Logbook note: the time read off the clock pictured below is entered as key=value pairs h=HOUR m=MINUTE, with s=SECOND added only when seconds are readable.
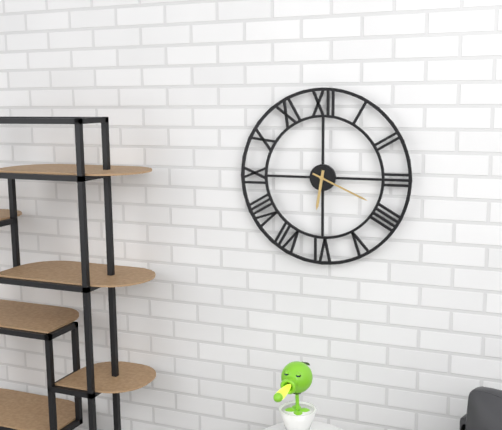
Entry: h=6 m=19
